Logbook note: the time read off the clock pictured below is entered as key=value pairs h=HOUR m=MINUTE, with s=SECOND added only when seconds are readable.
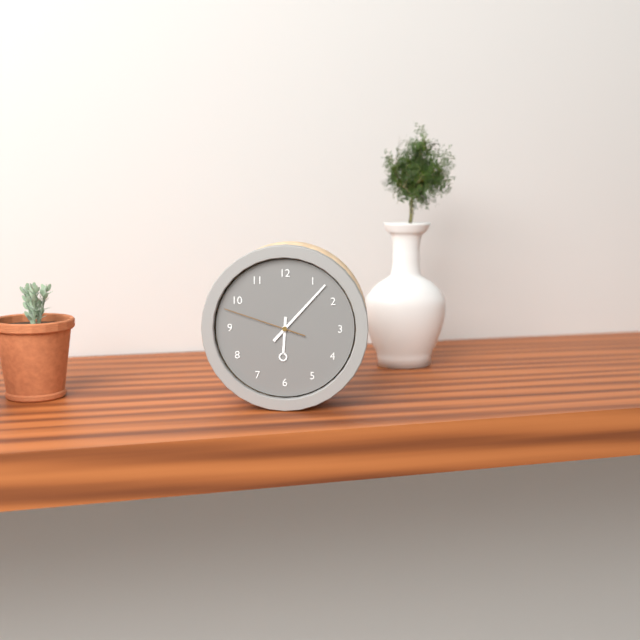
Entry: h=6 m=7 s=48
